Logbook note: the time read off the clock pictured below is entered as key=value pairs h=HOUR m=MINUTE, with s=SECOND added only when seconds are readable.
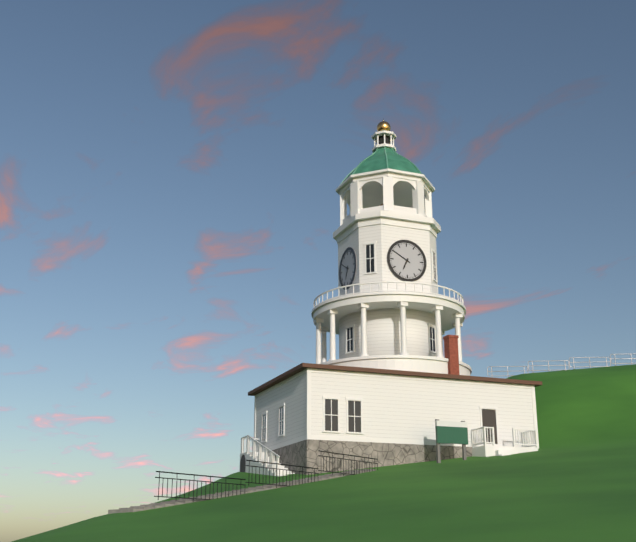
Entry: h=6 m=50
